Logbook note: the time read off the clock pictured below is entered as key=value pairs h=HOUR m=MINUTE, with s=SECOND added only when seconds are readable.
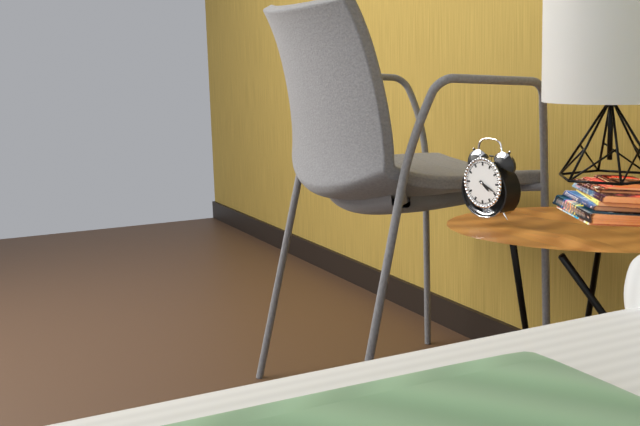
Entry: h=4 m=19
